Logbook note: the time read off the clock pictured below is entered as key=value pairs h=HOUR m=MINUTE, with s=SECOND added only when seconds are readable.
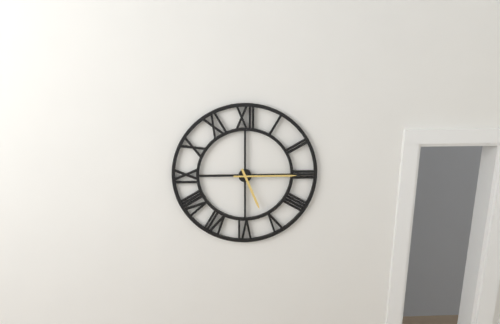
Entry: h=5 m=15
